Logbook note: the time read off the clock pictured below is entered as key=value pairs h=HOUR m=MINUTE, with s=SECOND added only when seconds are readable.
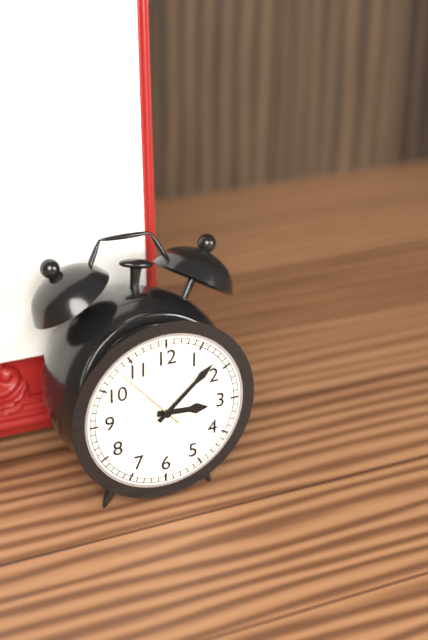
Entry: h=3 m=8 s=53
